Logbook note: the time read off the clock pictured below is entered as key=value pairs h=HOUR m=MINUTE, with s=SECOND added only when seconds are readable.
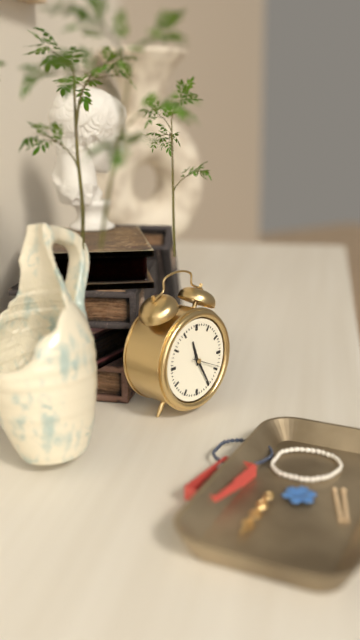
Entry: h=11 m=25
